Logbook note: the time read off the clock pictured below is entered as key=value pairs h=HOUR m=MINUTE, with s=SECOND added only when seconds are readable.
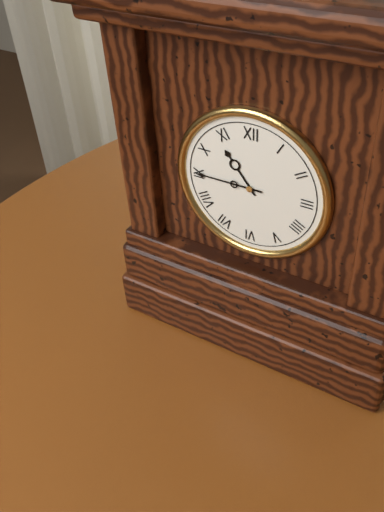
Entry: h=10 m=45
